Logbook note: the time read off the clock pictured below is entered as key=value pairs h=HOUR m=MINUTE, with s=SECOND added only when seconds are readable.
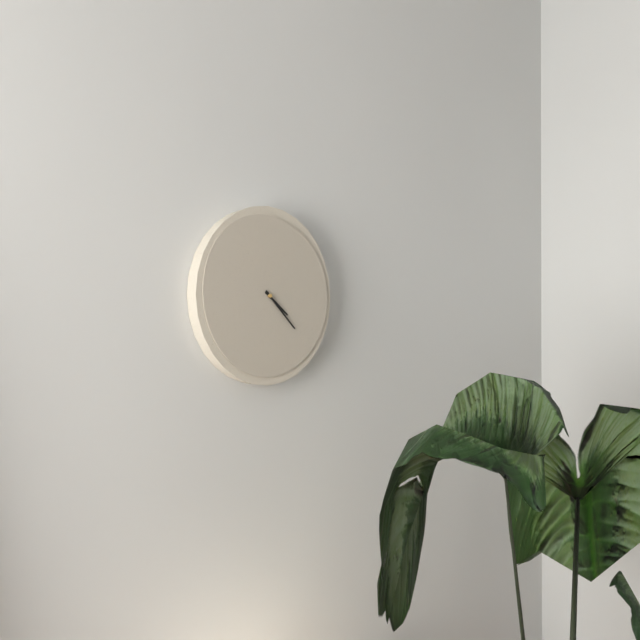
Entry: h=4 m=23
